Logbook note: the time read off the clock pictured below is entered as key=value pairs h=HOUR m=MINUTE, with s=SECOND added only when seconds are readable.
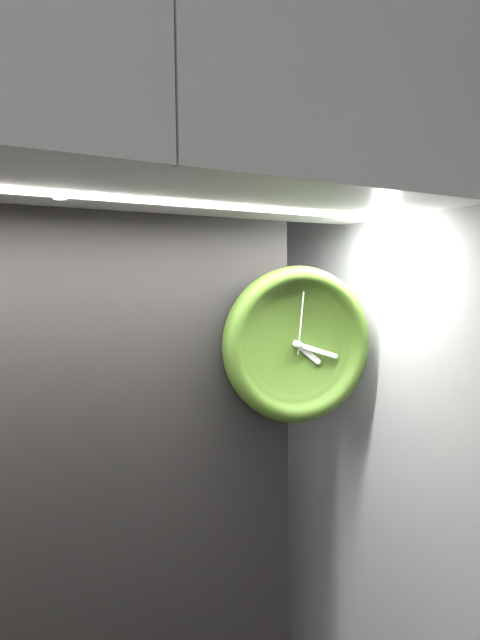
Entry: h=4 m=18 s=1
